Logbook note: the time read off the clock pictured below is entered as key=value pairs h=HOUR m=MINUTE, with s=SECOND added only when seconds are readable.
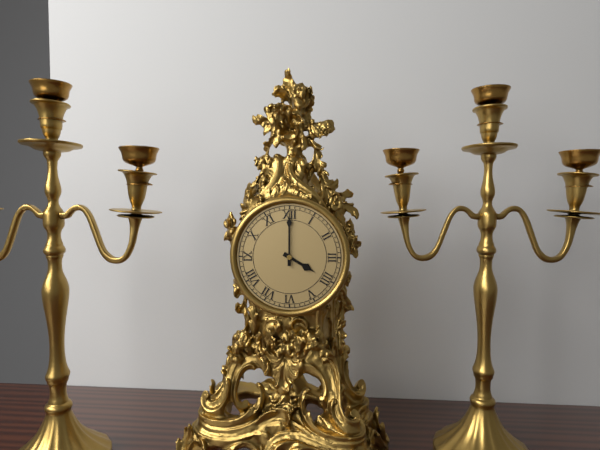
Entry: h=4 m=0
